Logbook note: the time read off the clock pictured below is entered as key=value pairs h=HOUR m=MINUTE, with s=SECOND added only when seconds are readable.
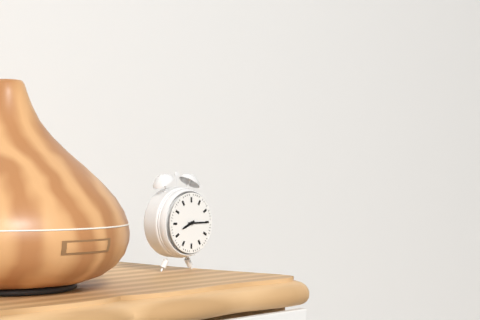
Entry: h=8 m=15
